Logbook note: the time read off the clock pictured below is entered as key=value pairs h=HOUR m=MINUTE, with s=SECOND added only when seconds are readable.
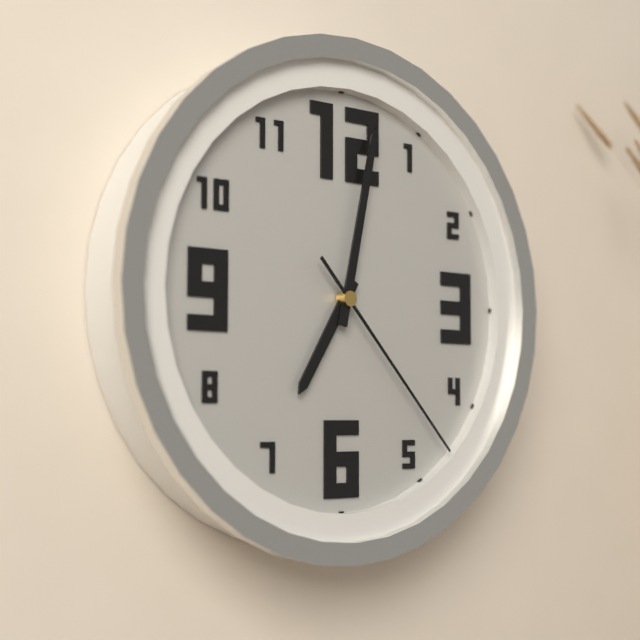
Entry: h=7 m=2 s=23
